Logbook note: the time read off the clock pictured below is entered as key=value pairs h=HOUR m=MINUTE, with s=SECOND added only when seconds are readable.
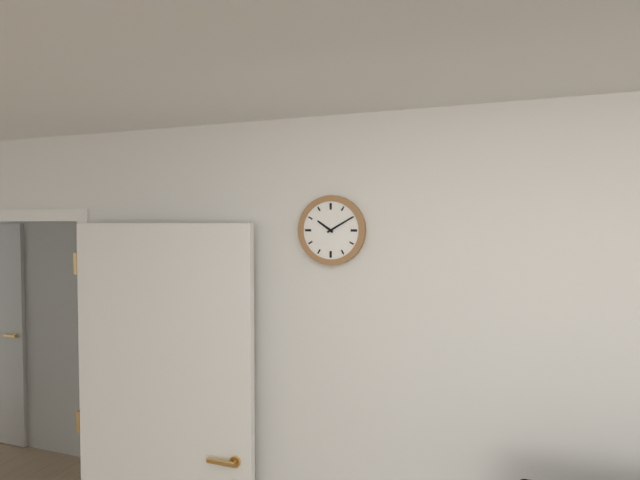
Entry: h=10 m=10
